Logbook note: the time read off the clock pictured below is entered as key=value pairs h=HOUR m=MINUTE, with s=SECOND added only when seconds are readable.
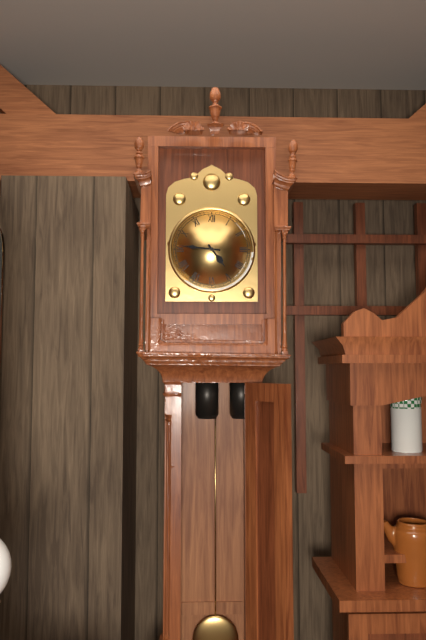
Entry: h=4 m=46
